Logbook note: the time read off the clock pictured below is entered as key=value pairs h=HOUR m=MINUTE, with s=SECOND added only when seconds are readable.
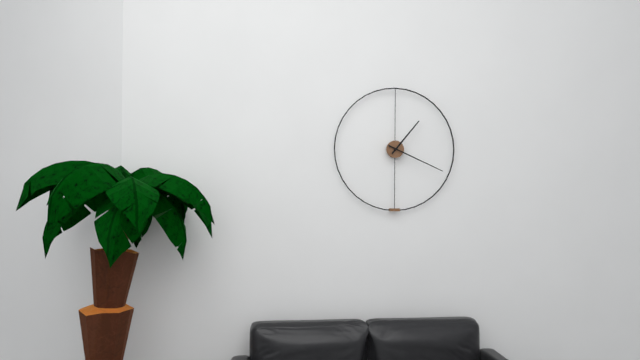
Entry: h=1 m=19
